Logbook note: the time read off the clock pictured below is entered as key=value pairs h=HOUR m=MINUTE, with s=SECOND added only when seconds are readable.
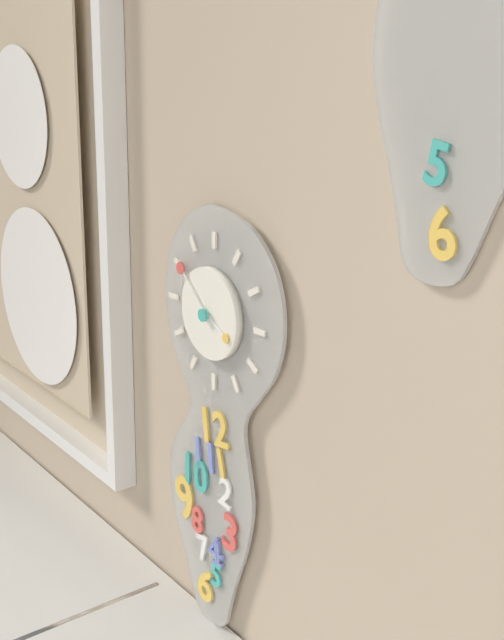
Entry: h=3 m=52
